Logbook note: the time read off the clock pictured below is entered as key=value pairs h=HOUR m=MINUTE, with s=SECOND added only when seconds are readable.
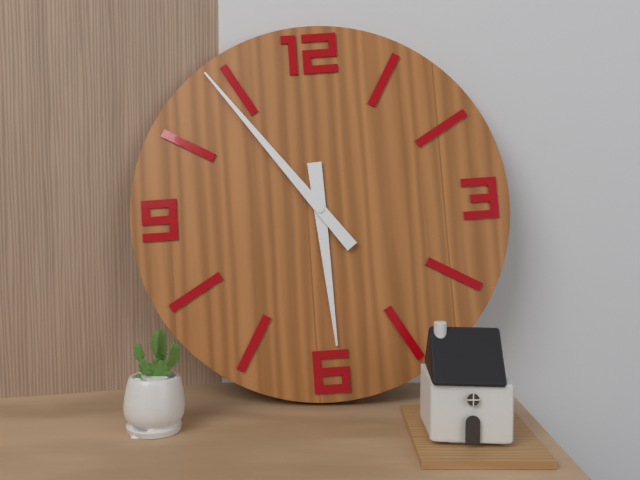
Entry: h=5 m=54
